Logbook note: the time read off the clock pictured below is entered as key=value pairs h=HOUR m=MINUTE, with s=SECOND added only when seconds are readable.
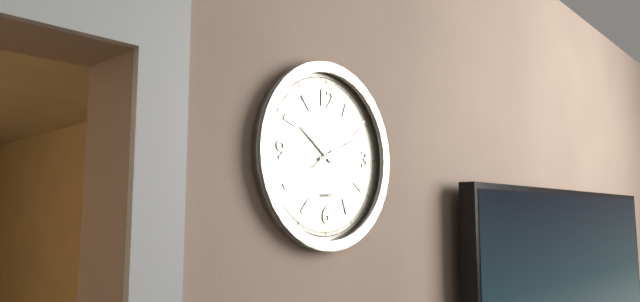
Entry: h=10 m=11 s=9
